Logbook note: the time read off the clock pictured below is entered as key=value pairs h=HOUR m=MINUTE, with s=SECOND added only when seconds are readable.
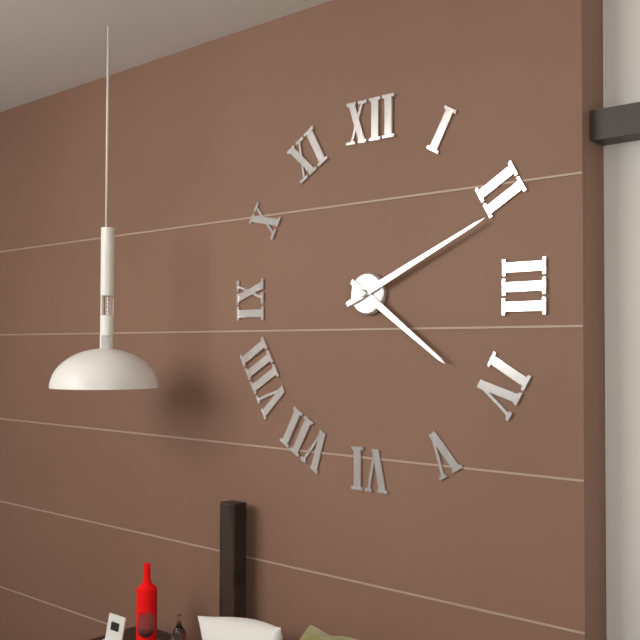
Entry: h=4 m=11
